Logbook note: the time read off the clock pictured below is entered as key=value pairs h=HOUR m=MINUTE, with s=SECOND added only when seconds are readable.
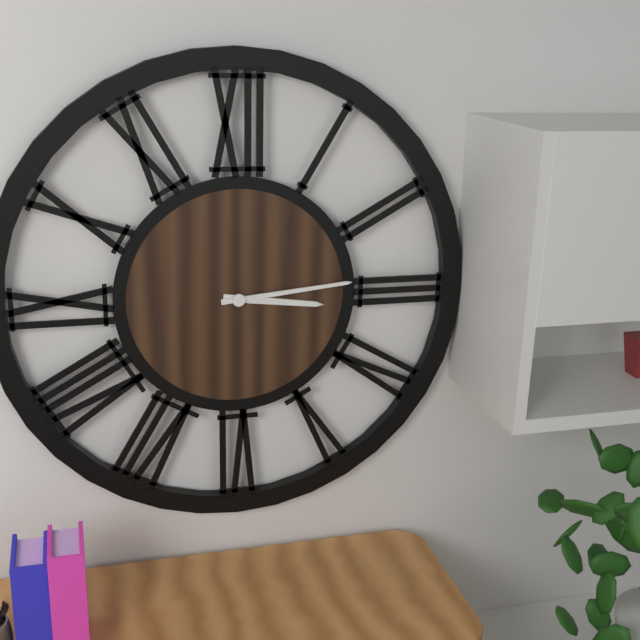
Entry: h=3 m=14
